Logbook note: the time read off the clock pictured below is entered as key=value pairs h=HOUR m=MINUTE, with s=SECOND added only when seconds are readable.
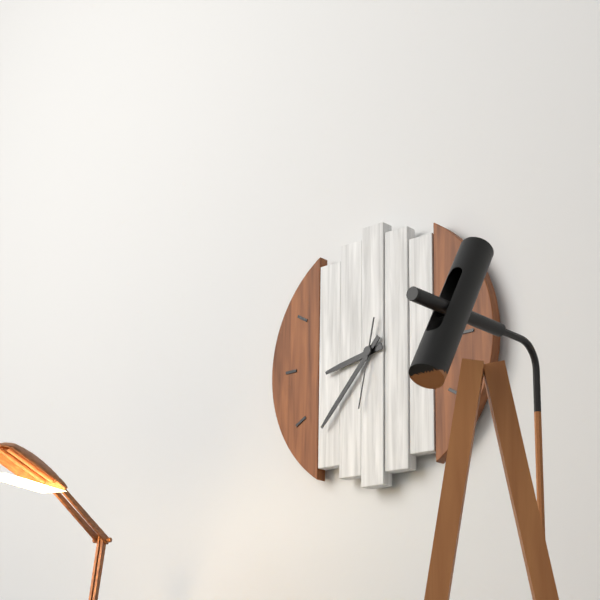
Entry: h=8 m=37 s=32
